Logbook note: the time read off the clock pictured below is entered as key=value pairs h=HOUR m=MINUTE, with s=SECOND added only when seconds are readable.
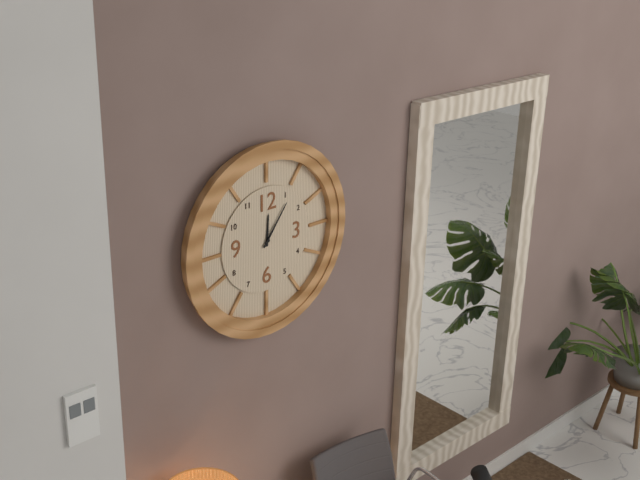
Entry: h=12 m=6
